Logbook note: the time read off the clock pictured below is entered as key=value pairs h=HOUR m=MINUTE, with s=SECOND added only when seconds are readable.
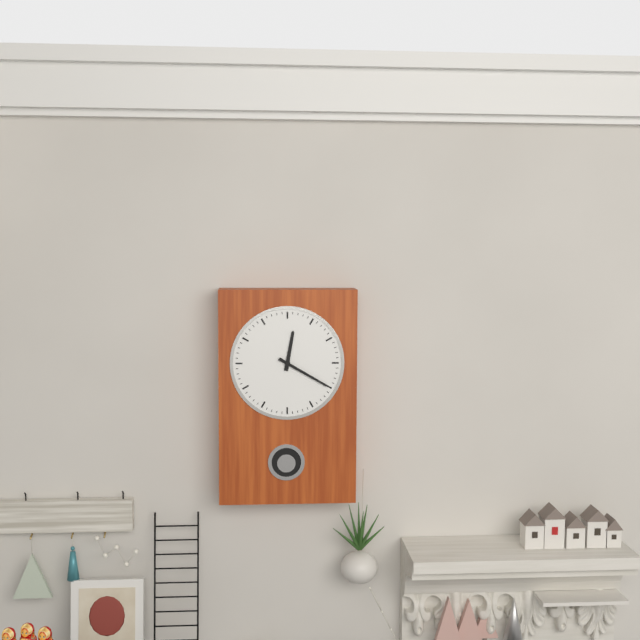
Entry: h=12 m=20
